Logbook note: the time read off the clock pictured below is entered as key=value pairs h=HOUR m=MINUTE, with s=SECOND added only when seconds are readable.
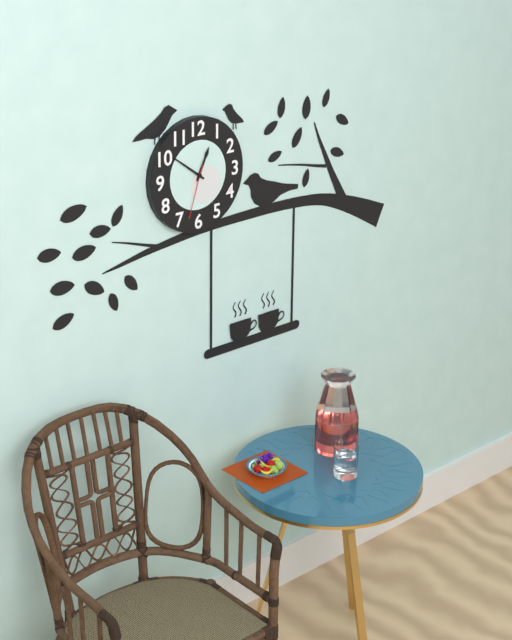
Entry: h=12 m=51 s=33
